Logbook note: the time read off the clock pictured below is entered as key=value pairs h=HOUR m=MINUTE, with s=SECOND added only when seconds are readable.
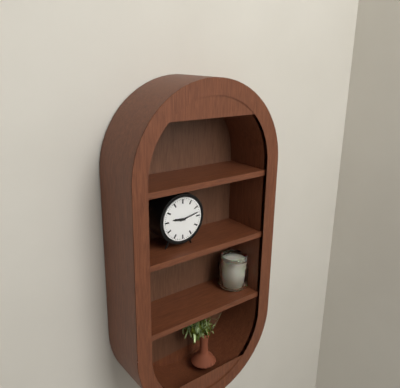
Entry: h=9 m=13
